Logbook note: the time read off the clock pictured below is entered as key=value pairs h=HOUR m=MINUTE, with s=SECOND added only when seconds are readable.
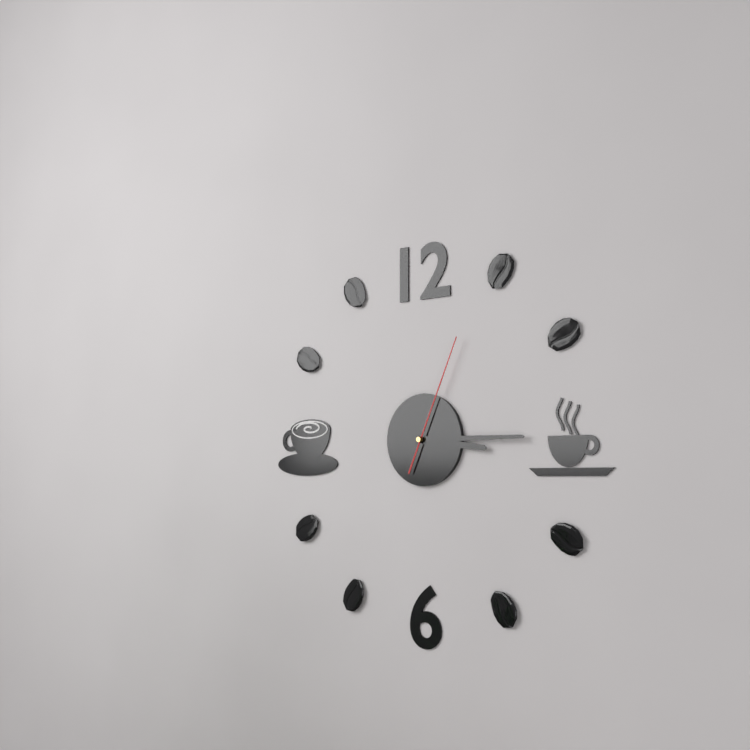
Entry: h=3 m=15 s=4
